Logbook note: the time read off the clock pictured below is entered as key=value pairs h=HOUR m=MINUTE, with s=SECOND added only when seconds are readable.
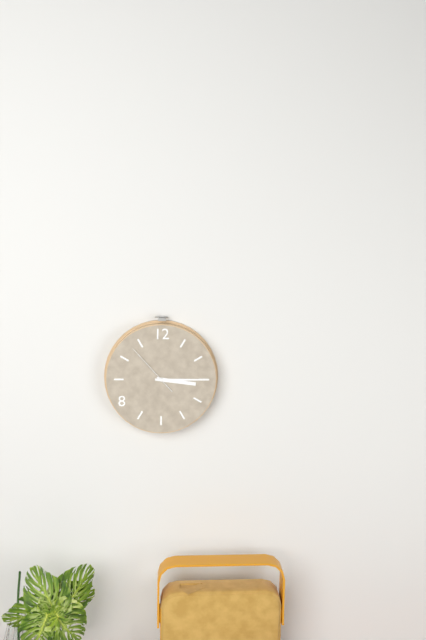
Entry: h=3 m=15 s=53
